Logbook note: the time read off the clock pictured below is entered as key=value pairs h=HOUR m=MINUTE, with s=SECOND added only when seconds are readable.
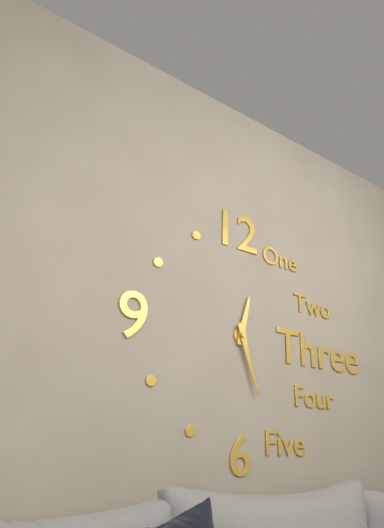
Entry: h=12 m=27
